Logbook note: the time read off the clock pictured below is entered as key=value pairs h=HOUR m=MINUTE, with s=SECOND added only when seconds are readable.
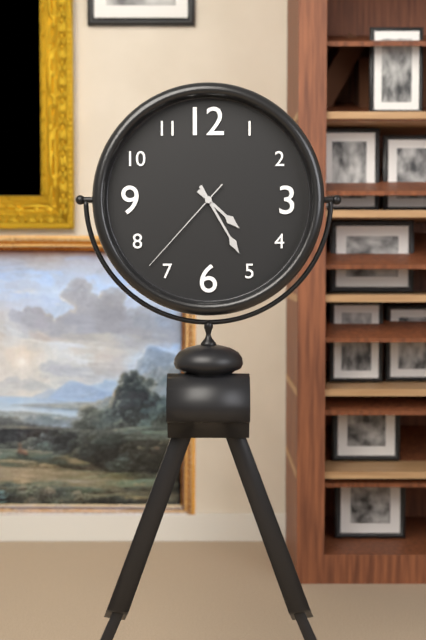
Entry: h=4 m=25 s=37
